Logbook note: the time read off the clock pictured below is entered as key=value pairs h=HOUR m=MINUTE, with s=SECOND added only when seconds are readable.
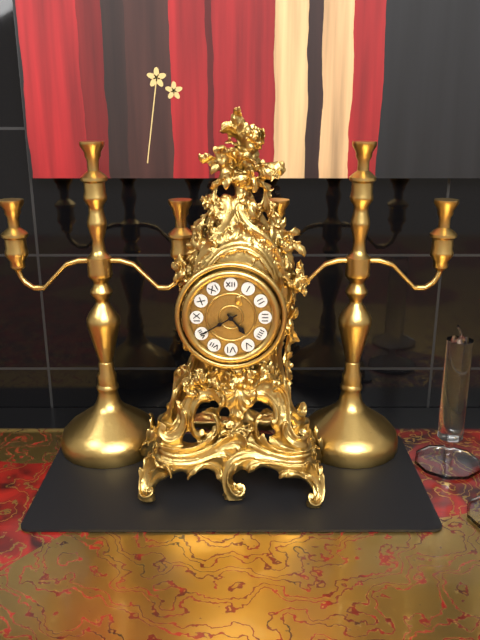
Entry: h=4 m=40
